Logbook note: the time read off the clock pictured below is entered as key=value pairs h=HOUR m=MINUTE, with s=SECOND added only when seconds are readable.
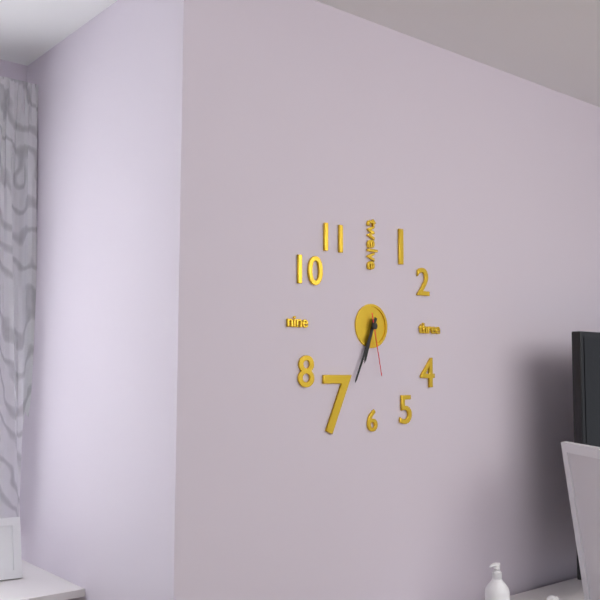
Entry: h=6 m=34 s=28
